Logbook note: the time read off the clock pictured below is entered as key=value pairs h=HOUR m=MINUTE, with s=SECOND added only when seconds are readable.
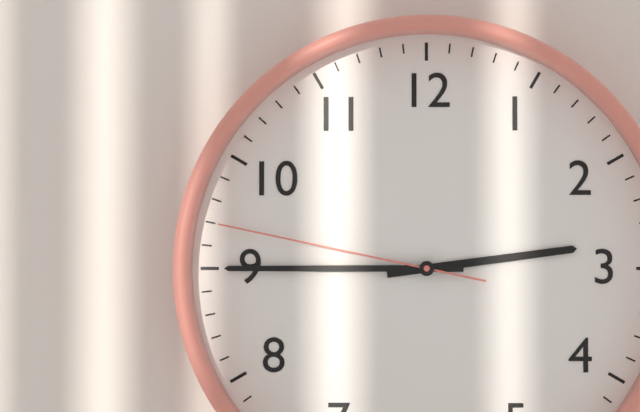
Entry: h=2 m=45 s=47
